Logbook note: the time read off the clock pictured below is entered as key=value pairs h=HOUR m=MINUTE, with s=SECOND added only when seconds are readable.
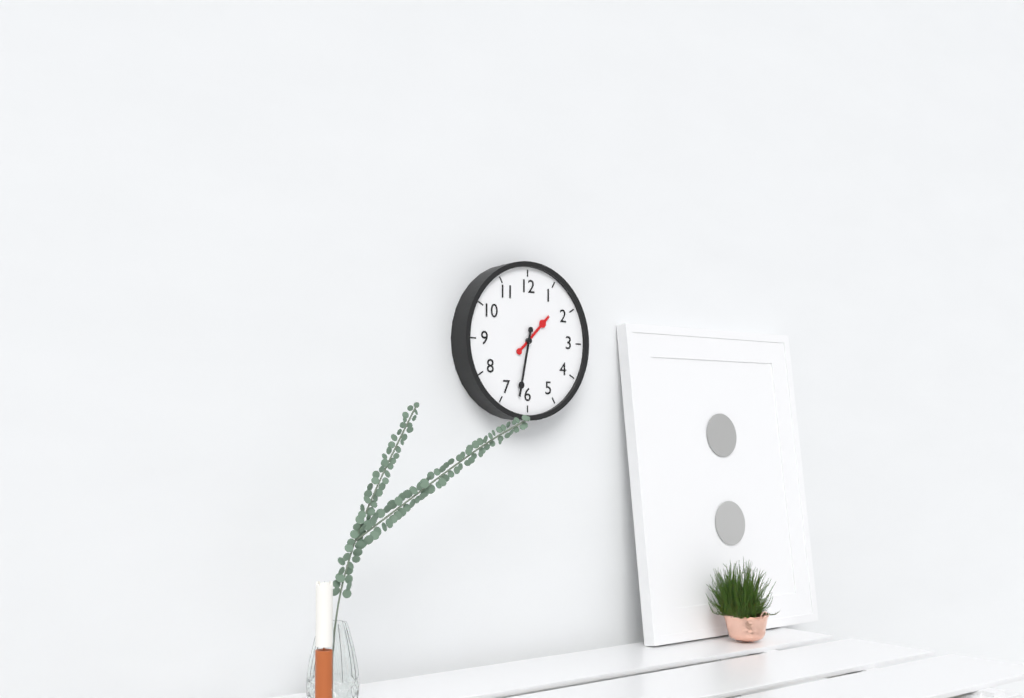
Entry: h=1 m=32
